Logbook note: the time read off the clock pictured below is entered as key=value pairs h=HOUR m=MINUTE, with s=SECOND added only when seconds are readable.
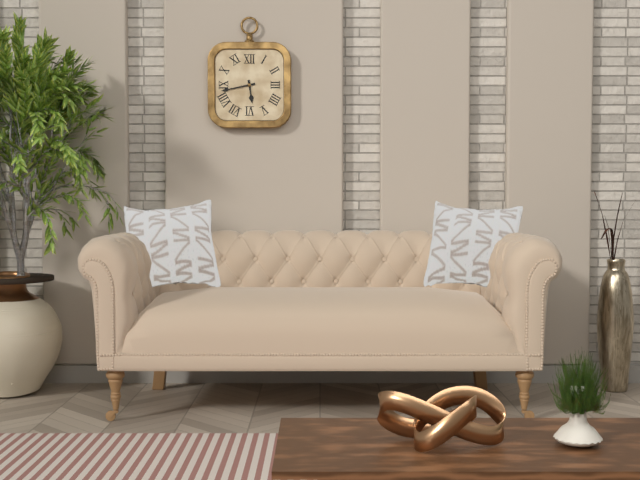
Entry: h=5 m=43
